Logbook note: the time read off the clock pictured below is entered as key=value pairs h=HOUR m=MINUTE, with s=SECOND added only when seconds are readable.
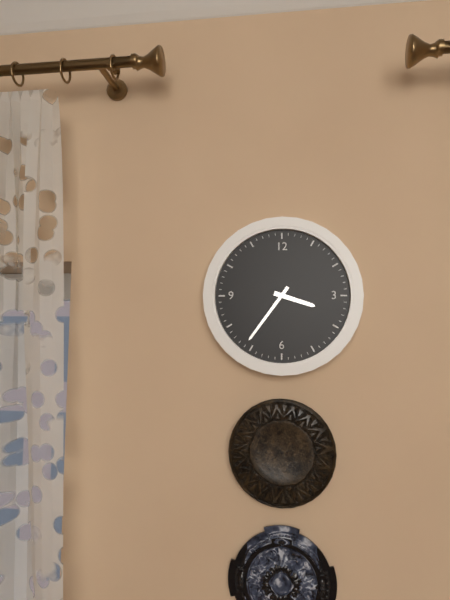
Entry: h=3 m=36
